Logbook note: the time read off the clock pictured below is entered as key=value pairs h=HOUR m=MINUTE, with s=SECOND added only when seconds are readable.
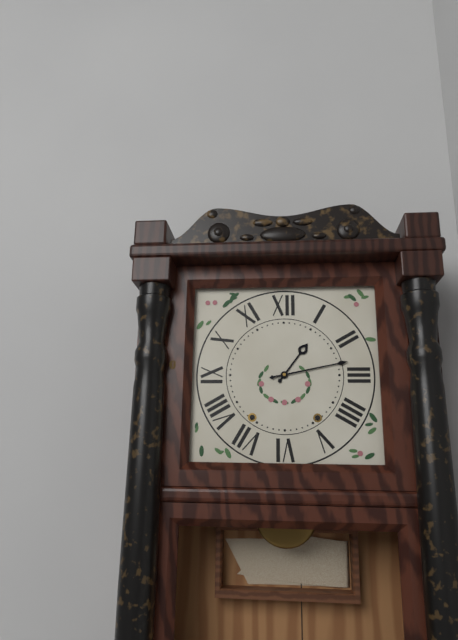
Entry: h=1 m=13
